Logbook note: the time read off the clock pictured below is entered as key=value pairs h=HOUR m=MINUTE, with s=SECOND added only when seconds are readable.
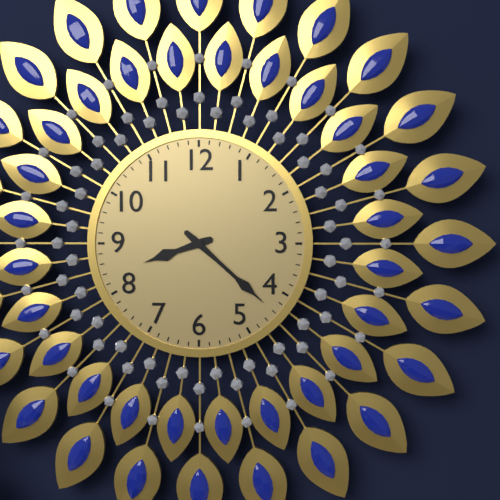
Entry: h=8 m=22
